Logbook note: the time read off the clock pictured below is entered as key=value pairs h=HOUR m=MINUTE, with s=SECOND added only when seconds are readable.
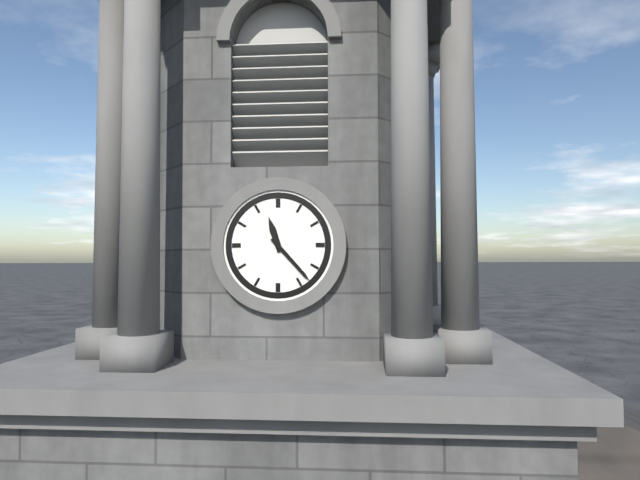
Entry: h=11 m=23
